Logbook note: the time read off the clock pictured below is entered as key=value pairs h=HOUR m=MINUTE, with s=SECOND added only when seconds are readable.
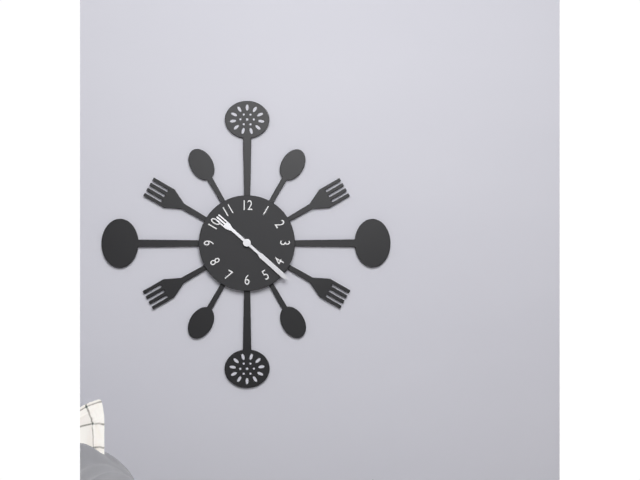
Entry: h=10 m=22
